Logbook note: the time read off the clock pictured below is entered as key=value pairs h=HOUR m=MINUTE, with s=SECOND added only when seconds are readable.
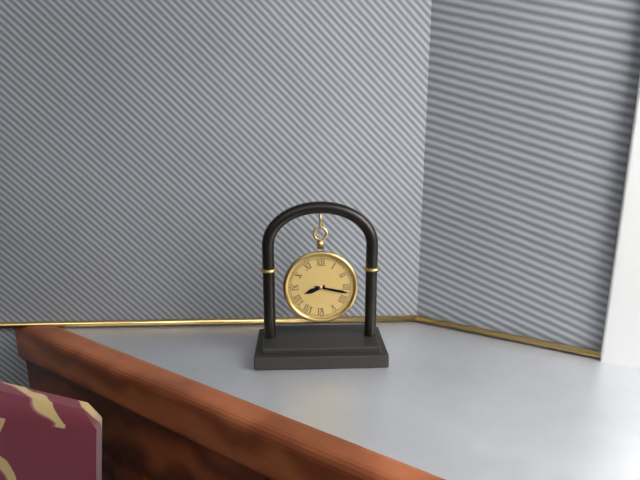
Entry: h=8 m=17
